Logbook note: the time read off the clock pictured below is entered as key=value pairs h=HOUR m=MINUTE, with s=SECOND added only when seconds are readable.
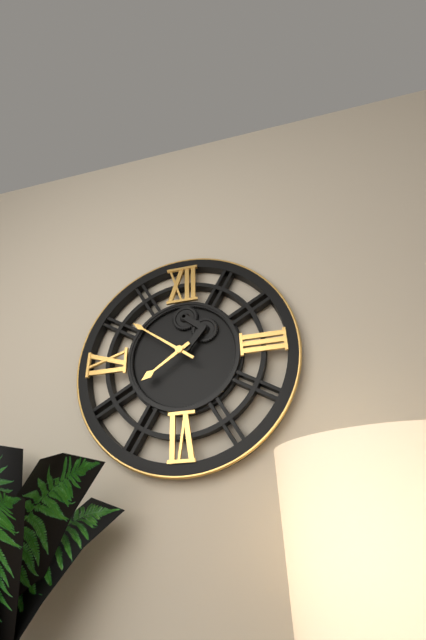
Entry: h=7 m=51
